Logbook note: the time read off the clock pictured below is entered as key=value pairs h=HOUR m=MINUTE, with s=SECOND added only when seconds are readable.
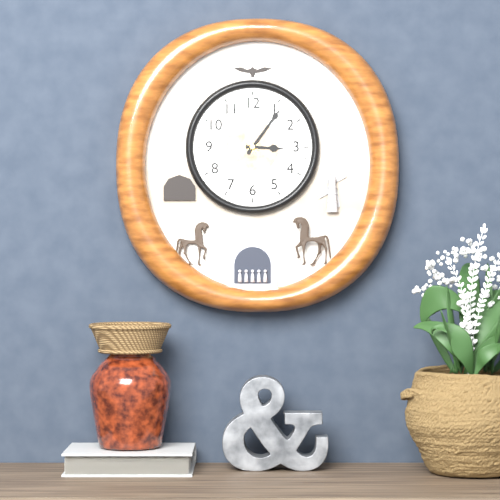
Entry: h=3 m=6
